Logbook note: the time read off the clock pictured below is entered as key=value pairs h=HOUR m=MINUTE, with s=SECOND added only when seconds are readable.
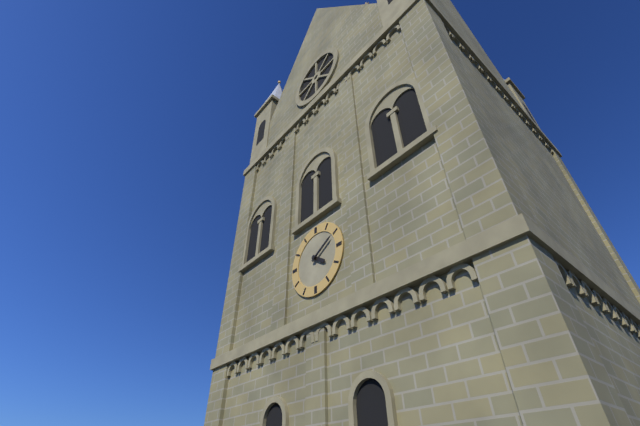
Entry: h=4 m=10
